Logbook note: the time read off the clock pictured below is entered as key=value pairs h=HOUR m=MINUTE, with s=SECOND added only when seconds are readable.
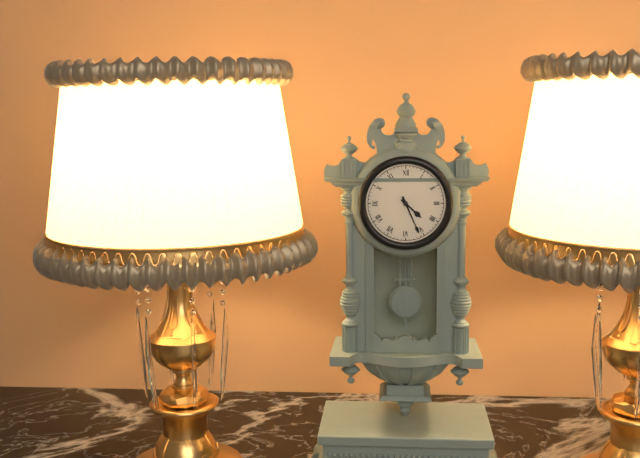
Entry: h=4 m=26
